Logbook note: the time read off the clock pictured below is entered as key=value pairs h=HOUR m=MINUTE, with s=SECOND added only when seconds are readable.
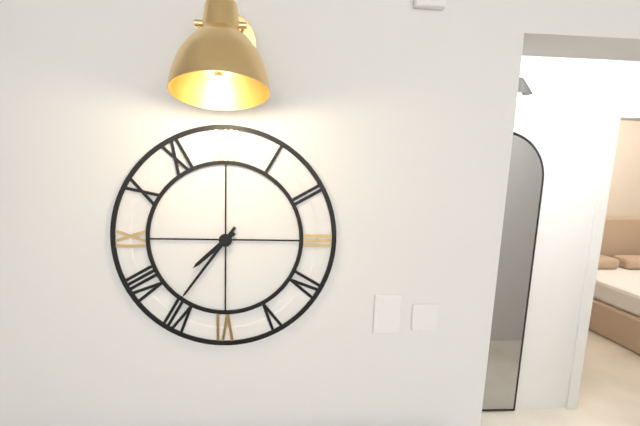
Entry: h=7 m=36
